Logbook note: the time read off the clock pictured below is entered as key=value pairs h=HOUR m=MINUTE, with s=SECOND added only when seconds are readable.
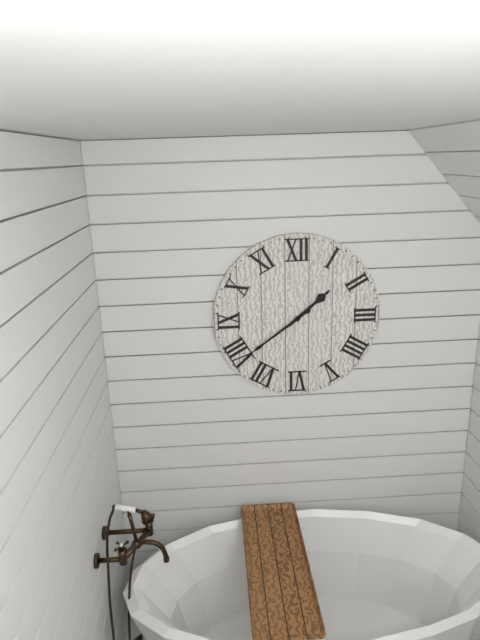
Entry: h=1 m=39
